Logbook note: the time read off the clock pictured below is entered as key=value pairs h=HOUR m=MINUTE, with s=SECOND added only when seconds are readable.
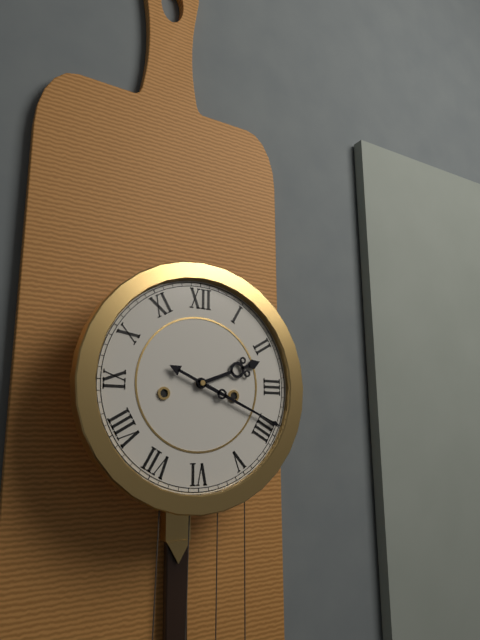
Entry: h=2 m=19
